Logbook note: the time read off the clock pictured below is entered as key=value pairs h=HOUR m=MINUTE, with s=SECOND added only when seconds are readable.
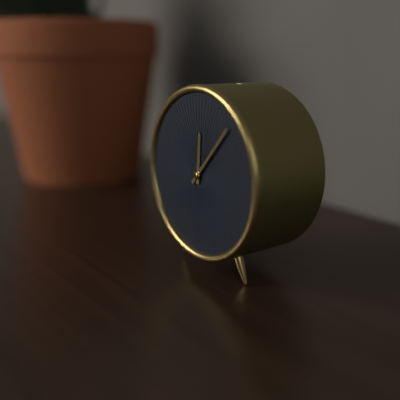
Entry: h=12 m=7
